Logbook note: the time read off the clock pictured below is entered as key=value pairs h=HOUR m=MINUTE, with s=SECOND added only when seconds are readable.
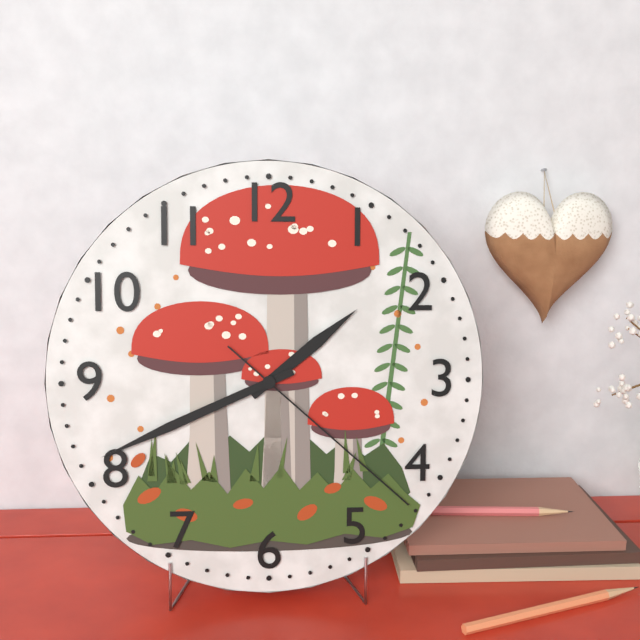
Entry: h=1 m=41 s=22
